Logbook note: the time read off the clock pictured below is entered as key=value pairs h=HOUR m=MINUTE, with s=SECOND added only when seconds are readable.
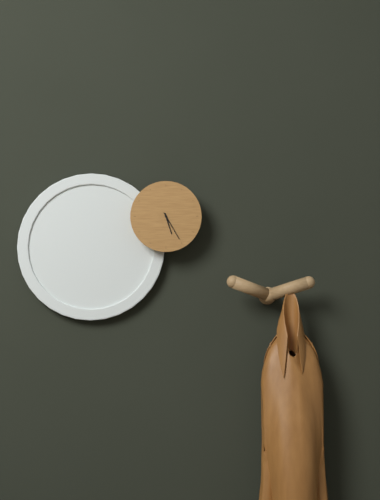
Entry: h=5 m=25
